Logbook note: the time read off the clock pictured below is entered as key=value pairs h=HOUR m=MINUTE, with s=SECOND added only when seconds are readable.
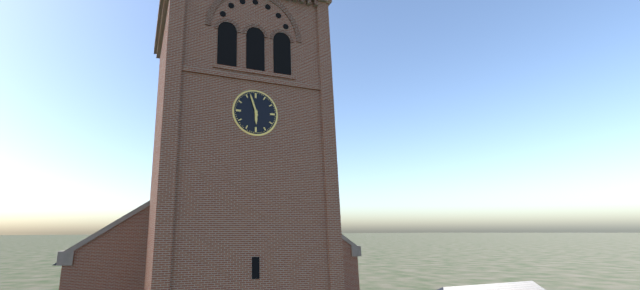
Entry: h=5 m=57
